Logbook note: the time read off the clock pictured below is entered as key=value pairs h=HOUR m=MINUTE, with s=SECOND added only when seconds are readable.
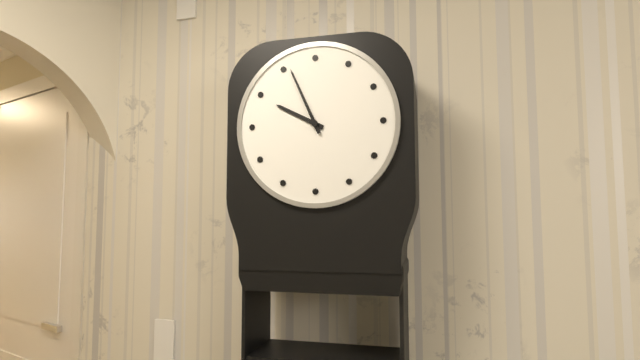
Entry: h=9 m=56
